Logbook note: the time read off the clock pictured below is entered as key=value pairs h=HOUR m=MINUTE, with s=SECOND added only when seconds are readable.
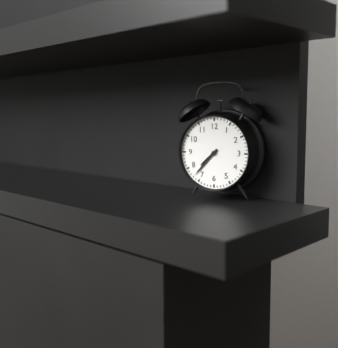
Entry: h=7 m=37
